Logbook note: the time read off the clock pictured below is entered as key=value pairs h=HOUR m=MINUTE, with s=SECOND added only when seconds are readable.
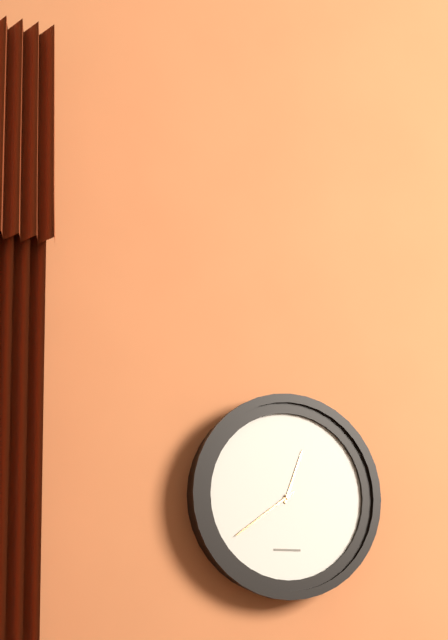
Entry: h=12 m=39
